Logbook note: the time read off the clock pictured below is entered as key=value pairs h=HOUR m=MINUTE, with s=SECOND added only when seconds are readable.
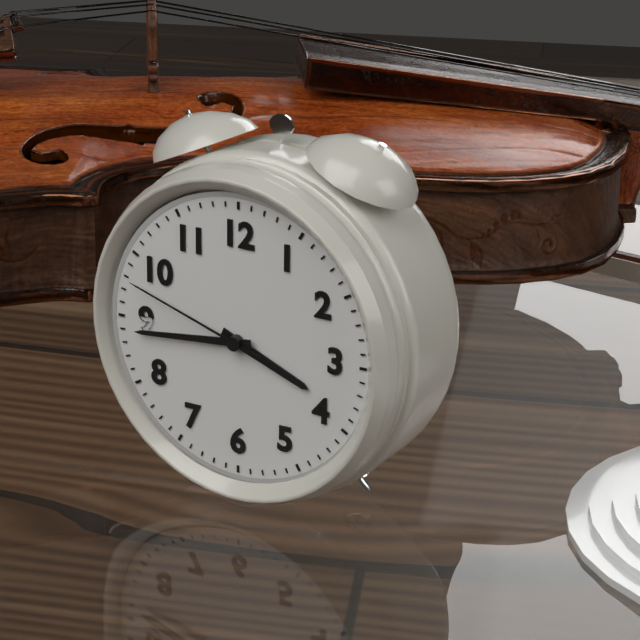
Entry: h=3 m=44 s=48
